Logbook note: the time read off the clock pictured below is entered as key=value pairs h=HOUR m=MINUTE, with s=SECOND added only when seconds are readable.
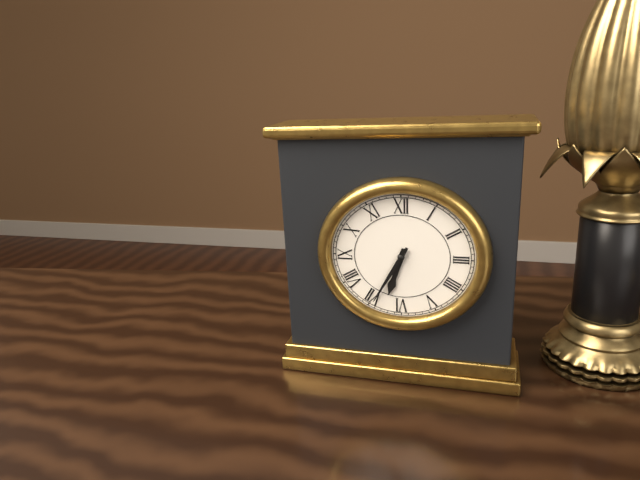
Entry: h=6 m=35
